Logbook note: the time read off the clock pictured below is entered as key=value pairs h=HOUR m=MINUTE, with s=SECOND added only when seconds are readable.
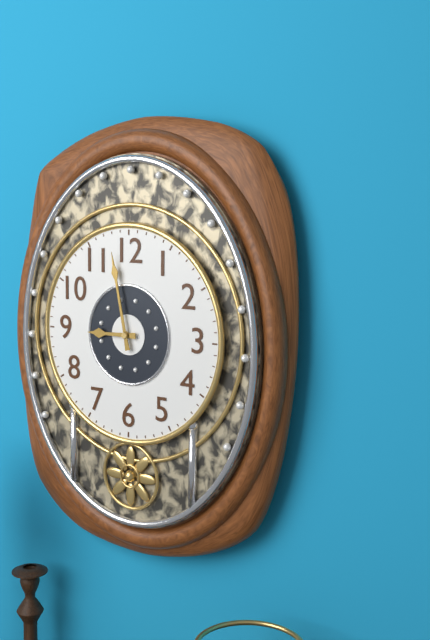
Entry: h=8 m=58
